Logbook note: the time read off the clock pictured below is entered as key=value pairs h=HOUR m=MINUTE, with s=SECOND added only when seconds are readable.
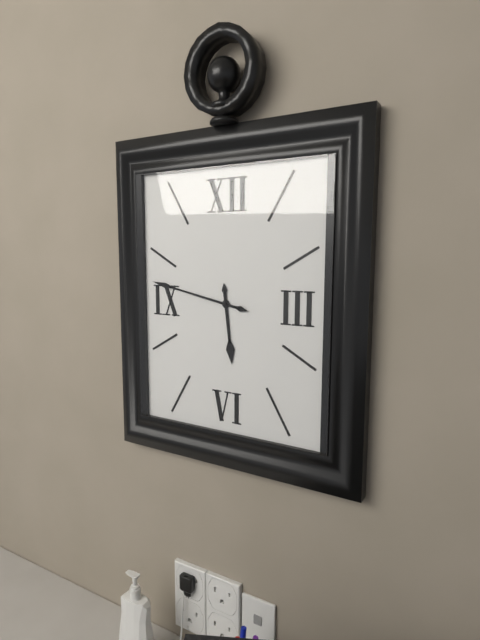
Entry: h=5 m=47
